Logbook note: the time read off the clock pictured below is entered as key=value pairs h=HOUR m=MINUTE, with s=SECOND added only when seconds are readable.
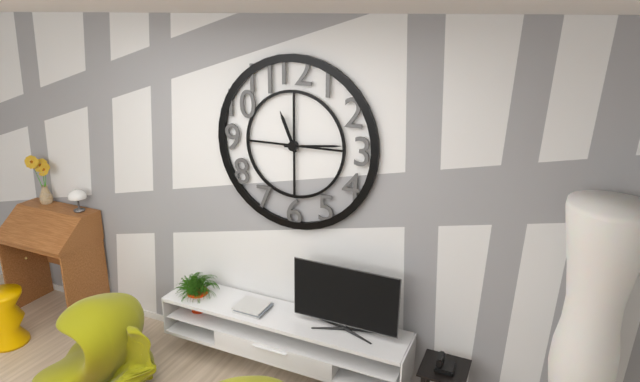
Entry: h=11 m=14
